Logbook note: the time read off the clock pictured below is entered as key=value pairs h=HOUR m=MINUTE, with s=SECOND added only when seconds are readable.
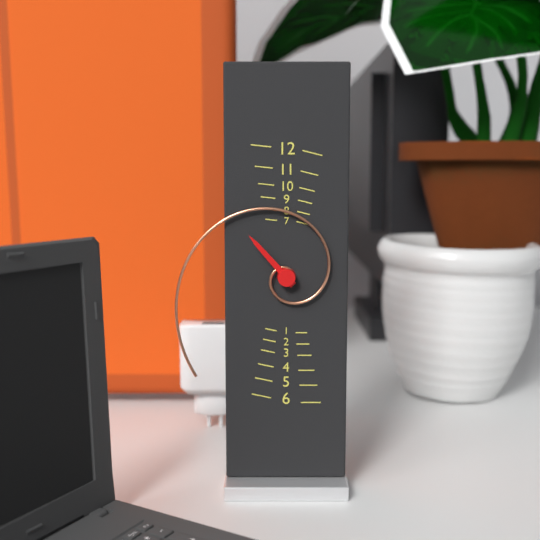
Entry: h=10 m=37
